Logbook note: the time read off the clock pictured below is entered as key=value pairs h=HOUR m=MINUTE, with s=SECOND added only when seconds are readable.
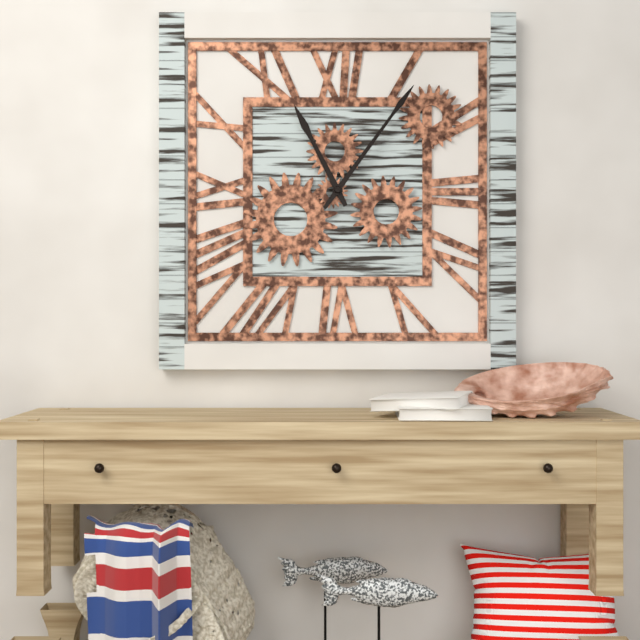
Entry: h=11 m=6
